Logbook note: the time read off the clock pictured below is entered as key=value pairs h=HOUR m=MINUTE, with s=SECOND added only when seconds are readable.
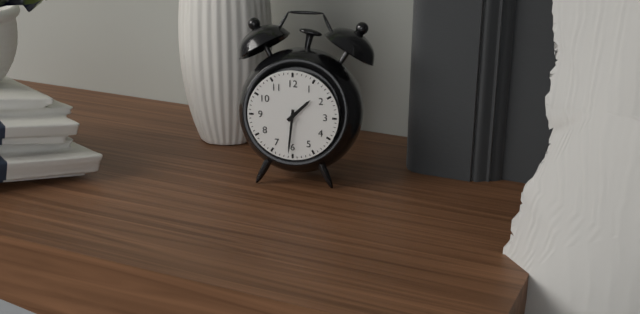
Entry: h=1 m=31
